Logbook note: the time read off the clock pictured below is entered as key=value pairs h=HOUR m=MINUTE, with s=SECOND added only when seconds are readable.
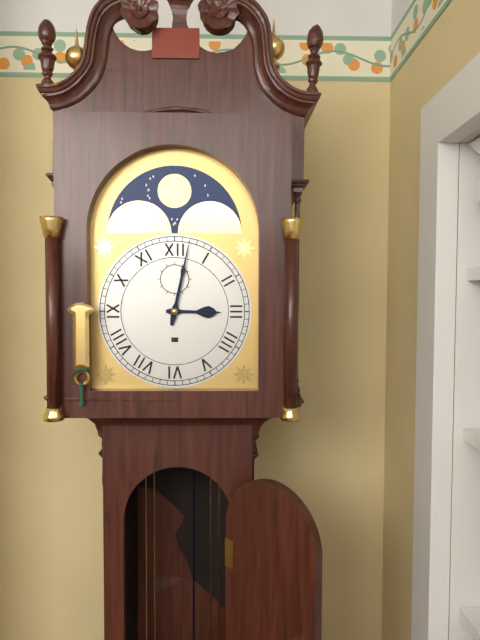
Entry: h=3 m=2
